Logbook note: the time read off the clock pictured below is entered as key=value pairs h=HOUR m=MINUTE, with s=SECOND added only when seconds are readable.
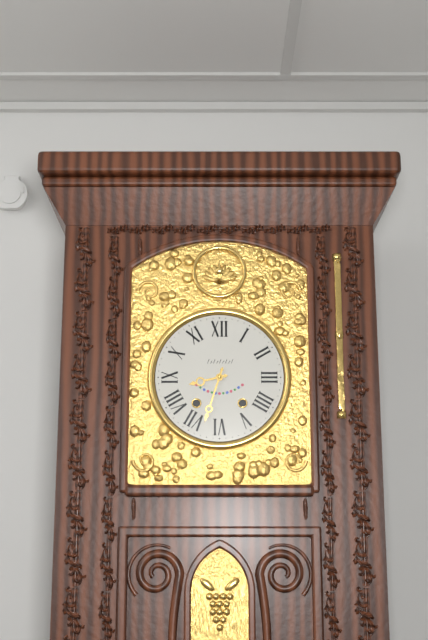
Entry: h=8 m=33
